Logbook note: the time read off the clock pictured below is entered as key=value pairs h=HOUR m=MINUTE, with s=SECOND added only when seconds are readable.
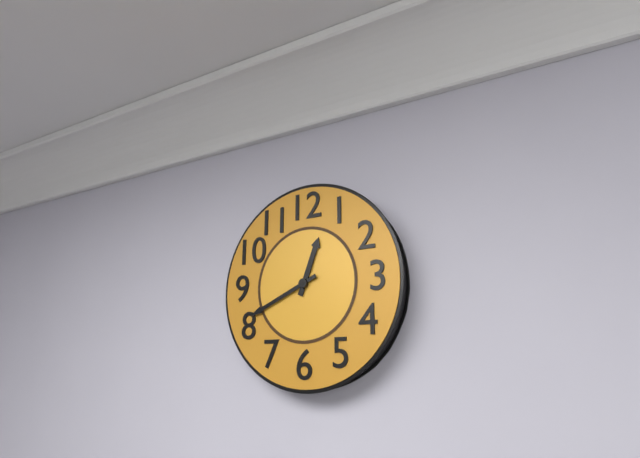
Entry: h=12 m=41
